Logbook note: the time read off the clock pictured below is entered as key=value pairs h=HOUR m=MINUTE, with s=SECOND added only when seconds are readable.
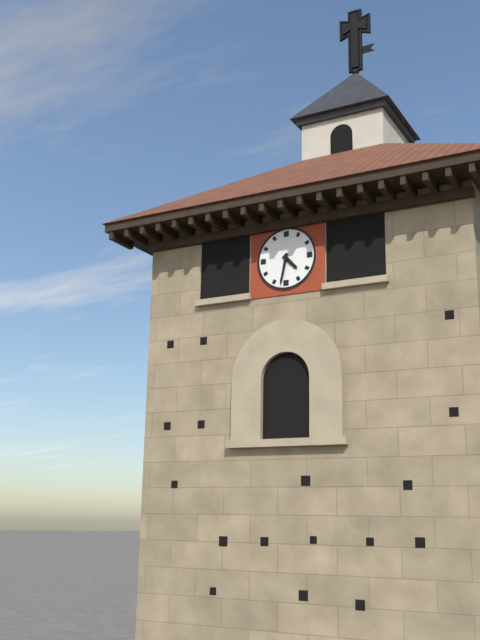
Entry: h=4 m=32
